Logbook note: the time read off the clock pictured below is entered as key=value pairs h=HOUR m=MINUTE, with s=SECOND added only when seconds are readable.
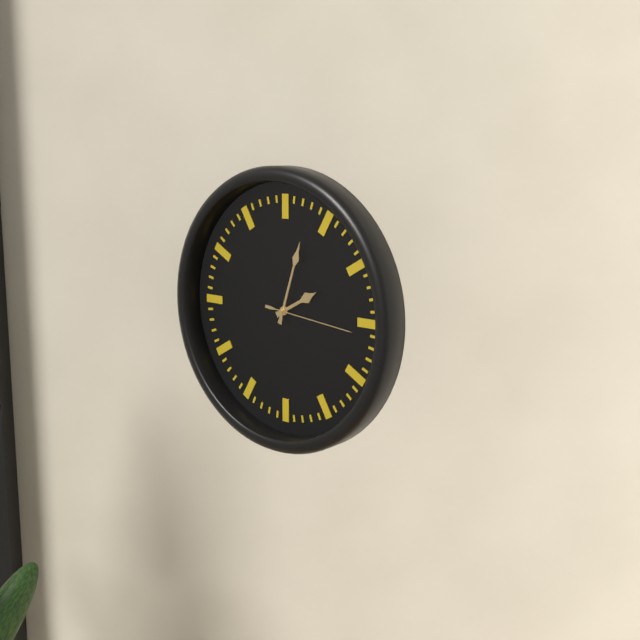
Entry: h=2 m=3 s=16
